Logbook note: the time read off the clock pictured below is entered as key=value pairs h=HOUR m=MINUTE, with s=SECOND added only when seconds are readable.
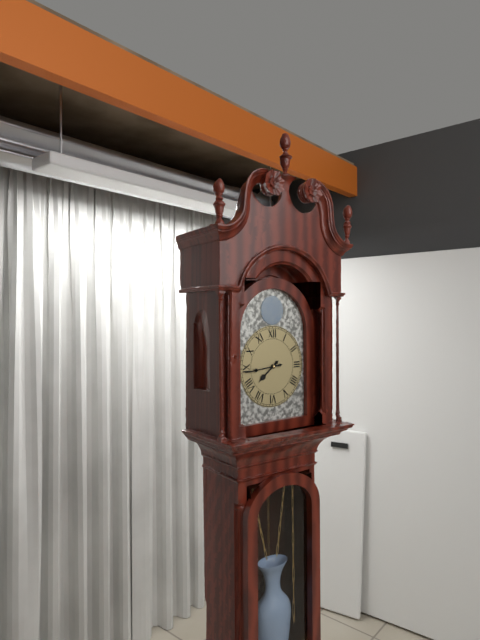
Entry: h=7 m=44
